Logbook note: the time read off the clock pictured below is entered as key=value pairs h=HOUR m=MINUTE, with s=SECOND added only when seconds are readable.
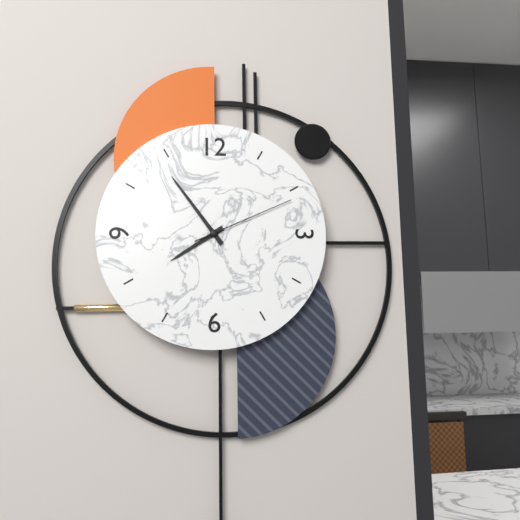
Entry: h=7 m=54 s=11
